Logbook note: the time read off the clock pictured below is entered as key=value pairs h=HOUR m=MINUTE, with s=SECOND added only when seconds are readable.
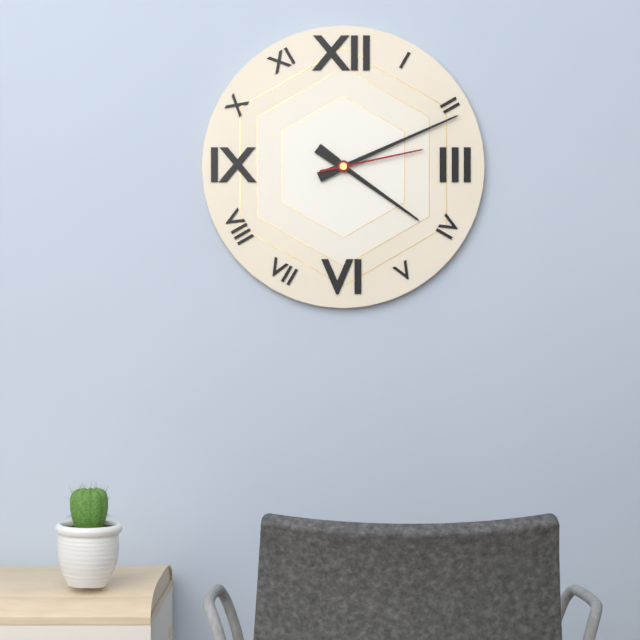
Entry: h=4 m=11 s=13
